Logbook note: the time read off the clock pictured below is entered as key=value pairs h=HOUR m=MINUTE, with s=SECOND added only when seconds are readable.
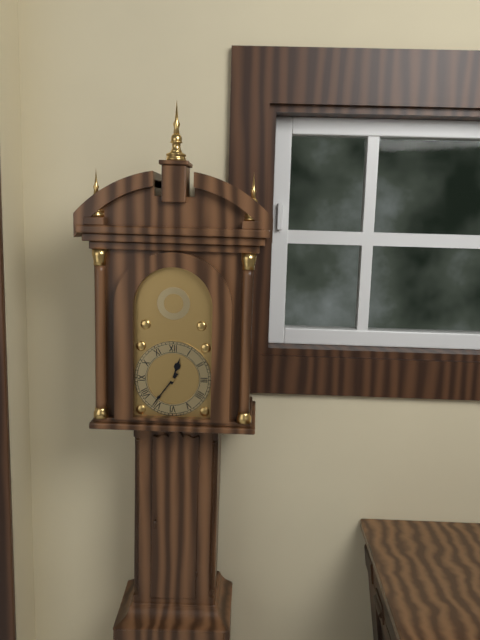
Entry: h=12 m=36
